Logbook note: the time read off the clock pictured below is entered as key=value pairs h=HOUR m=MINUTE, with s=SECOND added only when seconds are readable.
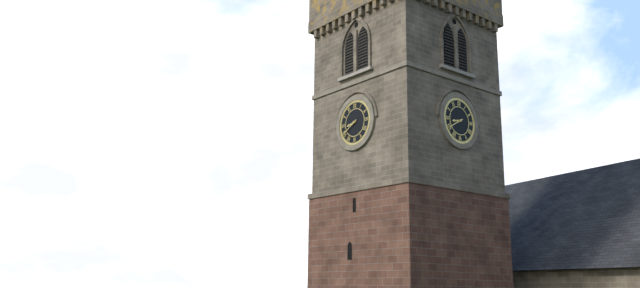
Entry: h=8 m=40
